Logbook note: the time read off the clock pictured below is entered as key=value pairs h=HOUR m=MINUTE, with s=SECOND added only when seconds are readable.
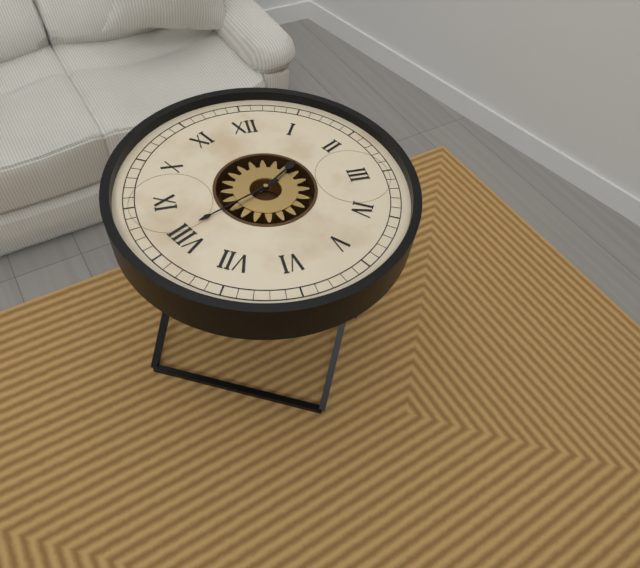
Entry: h=1 m=41
